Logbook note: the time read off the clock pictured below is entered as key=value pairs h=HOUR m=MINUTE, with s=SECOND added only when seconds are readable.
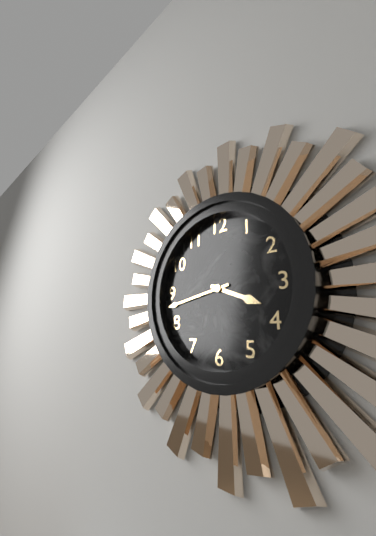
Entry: h=3 m=43
